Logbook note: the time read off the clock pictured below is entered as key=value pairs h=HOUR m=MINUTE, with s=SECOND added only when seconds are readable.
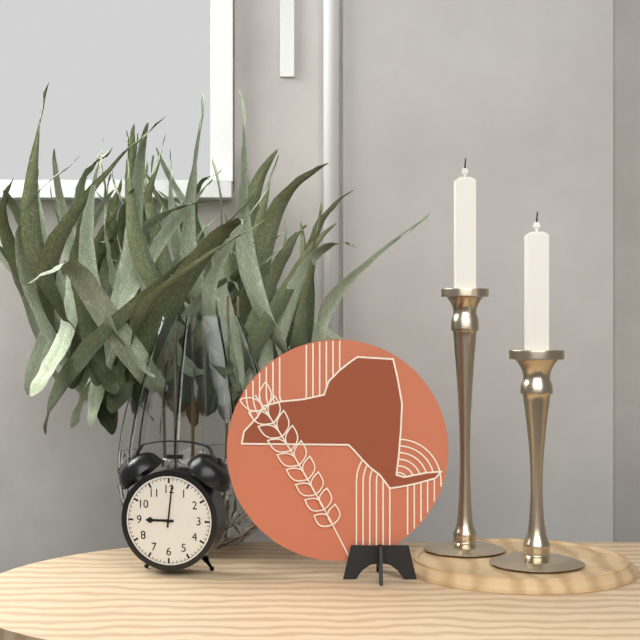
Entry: h=9 m=1
